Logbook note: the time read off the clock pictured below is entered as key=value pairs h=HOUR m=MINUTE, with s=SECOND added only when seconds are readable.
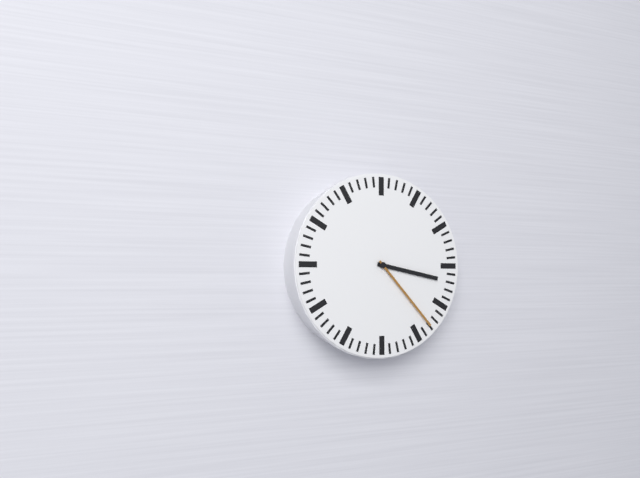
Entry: h=3 m=23
